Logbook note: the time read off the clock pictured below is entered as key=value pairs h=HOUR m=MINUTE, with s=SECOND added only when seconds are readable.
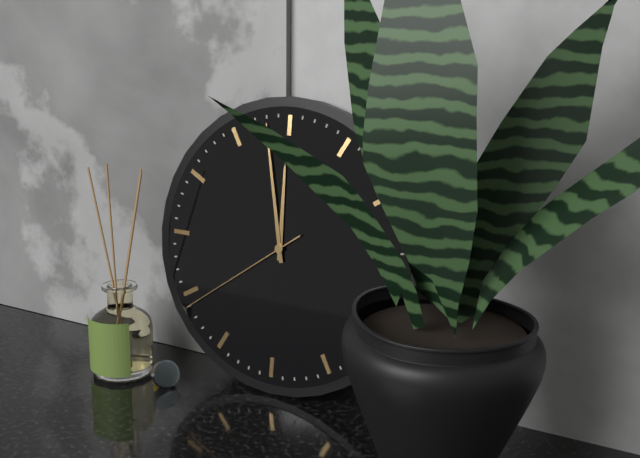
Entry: h=11 m=58 s=39
